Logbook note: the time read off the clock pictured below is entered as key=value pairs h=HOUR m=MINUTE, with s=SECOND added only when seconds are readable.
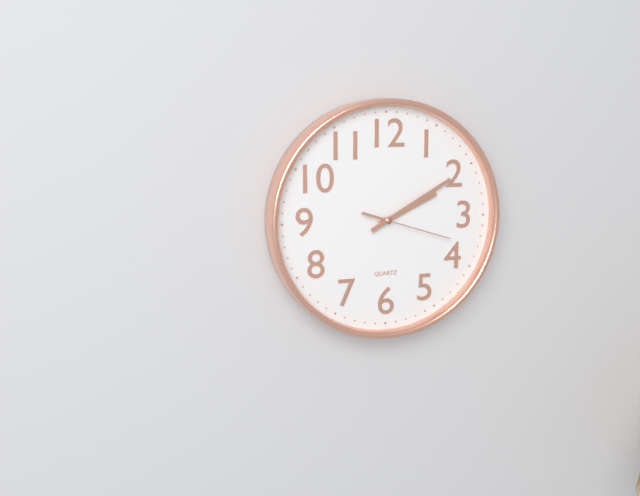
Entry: h=2 m=10 s=18
